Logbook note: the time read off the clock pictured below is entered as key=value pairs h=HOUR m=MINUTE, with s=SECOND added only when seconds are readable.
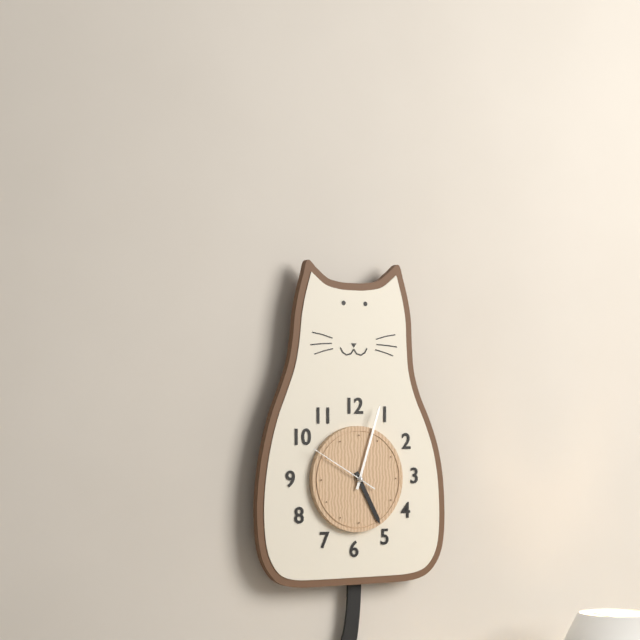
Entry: h=5 m=3 s=50
